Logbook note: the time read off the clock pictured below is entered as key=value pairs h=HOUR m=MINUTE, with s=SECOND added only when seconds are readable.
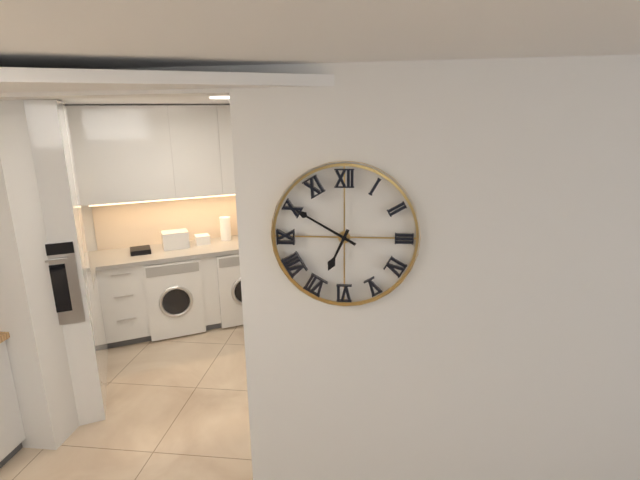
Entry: h=6 m=50
